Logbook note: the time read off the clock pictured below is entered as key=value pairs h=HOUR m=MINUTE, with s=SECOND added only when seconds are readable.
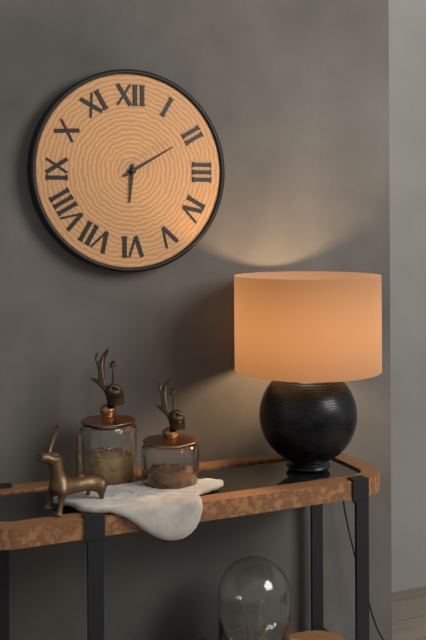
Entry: h=6 m=10
